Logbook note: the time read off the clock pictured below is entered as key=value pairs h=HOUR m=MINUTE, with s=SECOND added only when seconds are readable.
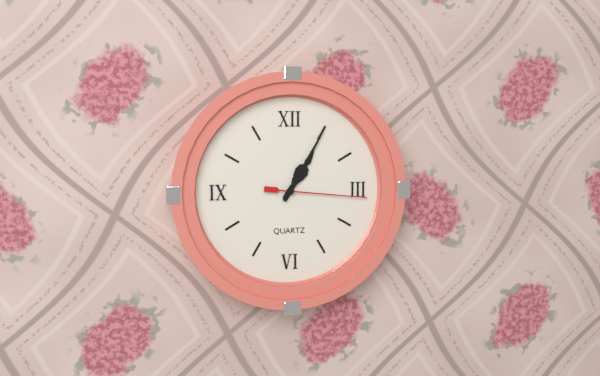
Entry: h=1 m=5 s=16
